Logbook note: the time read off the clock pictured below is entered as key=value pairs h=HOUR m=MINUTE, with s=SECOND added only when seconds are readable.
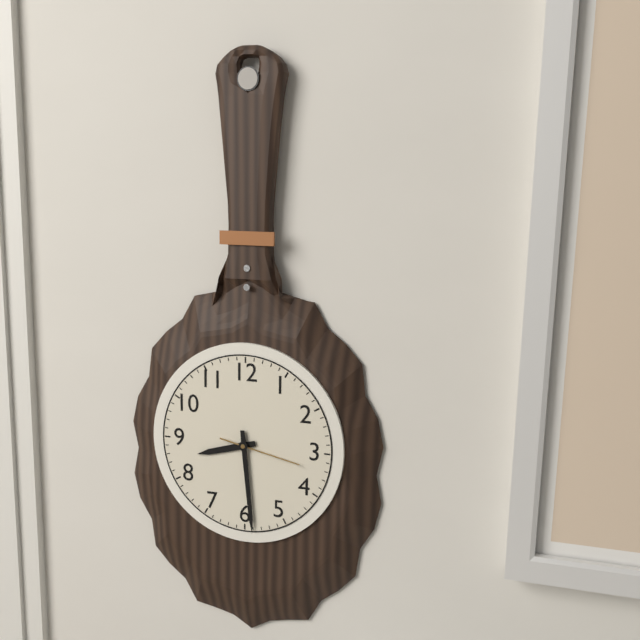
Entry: h=8 m=29 s=17
